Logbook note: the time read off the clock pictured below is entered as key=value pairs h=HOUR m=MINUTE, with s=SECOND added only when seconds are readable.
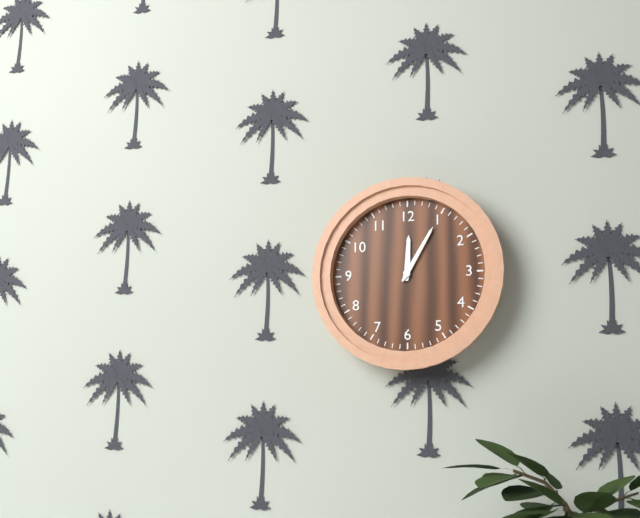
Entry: h=12 m=5
